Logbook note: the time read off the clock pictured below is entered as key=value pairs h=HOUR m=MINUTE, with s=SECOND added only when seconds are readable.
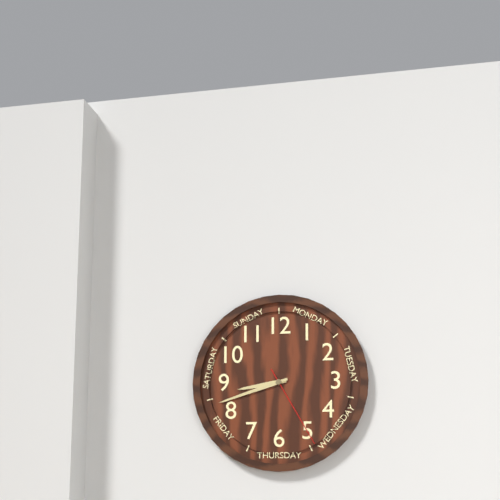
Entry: h=8 m=42 s=25
